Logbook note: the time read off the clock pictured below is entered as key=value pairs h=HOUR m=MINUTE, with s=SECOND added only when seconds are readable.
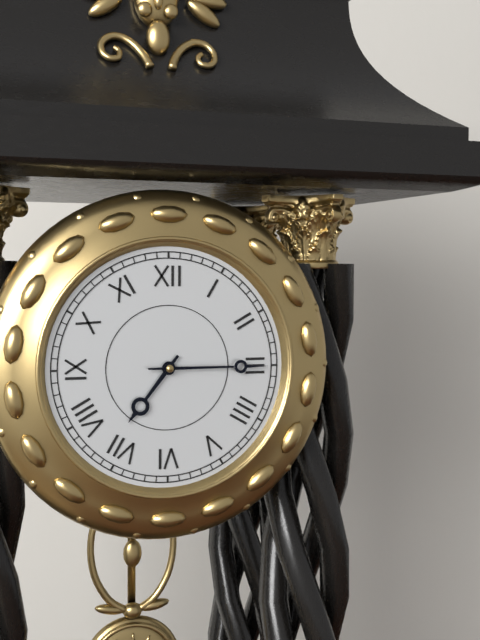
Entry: h=7 m=15
